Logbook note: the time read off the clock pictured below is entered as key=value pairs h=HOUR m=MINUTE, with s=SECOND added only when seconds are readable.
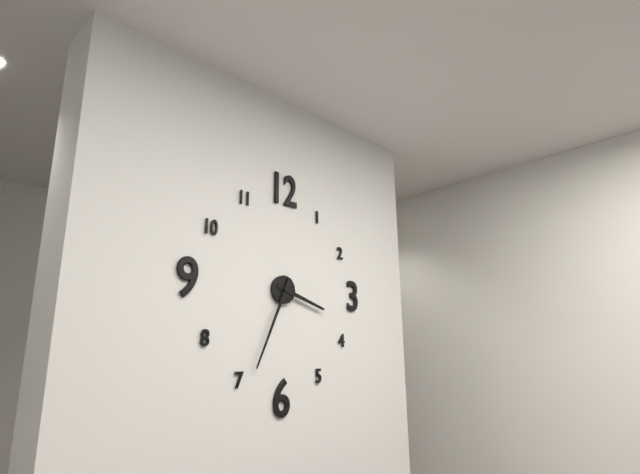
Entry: h=3 m=34
